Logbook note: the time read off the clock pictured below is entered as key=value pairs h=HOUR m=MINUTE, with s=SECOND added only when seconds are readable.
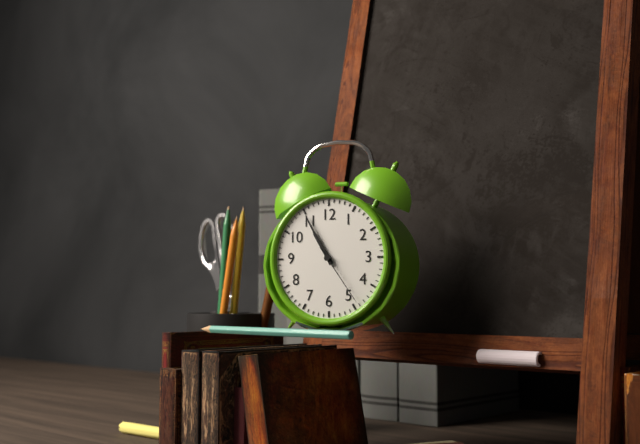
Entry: h=10 m=55 s=24
